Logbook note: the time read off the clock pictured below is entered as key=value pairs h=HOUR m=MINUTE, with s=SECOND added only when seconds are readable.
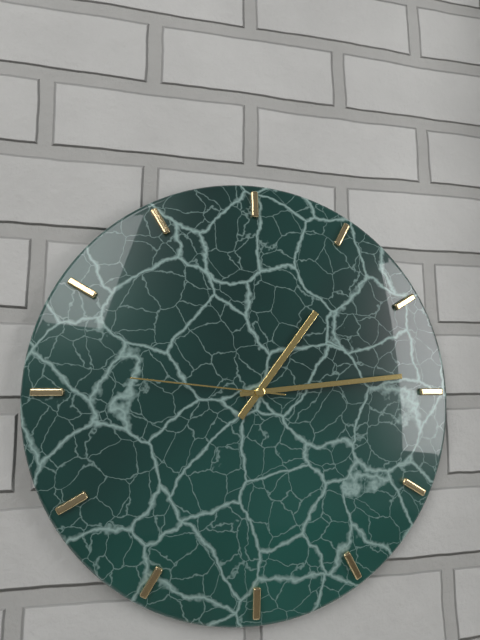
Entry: h=1 m=14 s=46
